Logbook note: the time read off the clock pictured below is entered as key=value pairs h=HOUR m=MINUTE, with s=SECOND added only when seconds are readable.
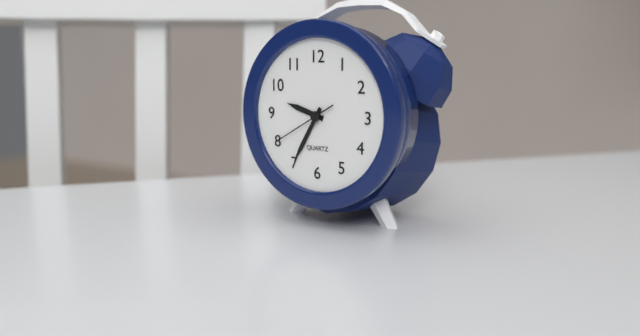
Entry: h=9 m=35 s=40
